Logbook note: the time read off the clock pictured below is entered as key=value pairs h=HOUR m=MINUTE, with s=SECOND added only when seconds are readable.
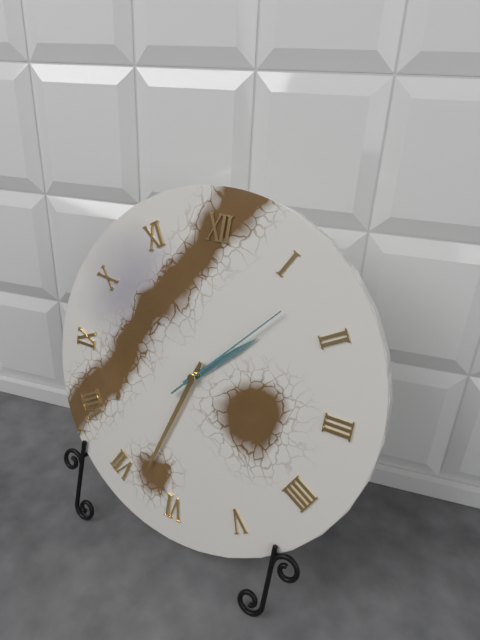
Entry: h=1 m=33 s=7
